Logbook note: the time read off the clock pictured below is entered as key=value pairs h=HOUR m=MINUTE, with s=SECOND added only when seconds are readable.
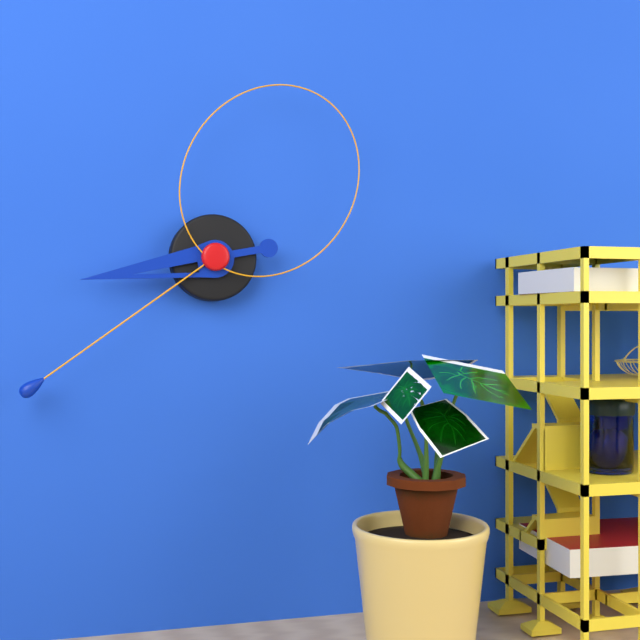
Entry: h=8 m=39 s=6
